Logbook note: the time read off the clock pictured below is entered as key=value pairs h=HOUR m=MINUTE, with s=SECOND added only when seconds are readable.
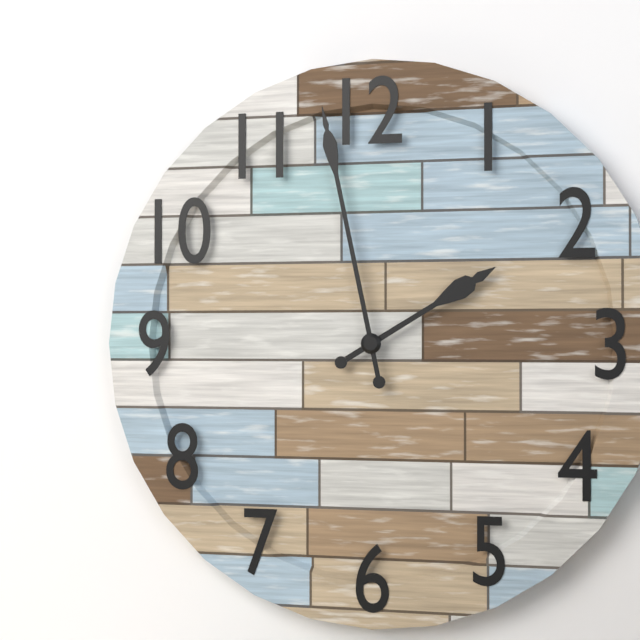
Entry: h=1 m=58
